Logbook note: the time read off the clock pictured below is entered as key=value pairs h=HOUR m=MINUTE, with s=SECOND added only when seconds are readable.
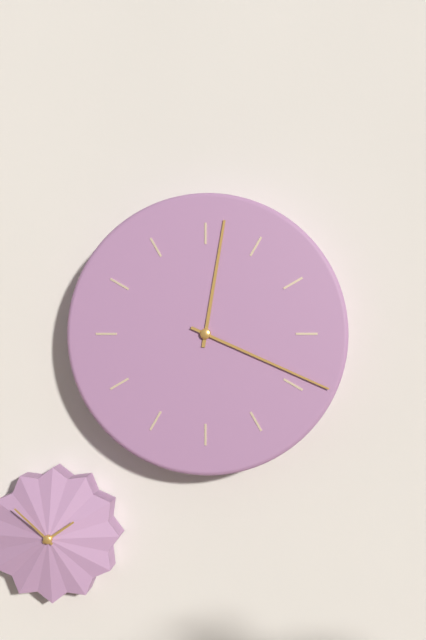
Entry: h=12 m=19
